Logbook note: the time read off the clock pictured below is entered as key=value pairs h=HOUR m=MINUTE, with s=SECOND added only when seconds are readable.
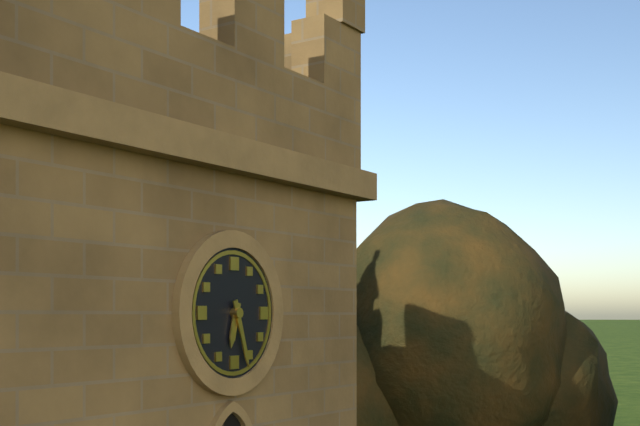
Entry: h=6 m=27
